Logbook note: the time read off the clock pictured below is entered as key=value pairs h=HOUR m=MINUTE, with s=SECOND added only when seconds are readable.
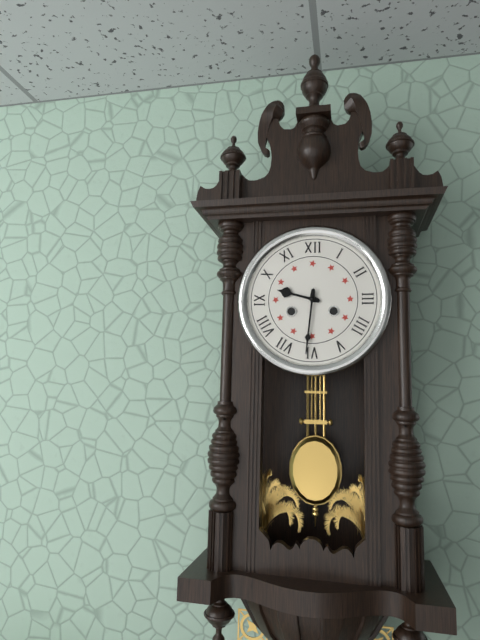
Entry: h=9 m=31
